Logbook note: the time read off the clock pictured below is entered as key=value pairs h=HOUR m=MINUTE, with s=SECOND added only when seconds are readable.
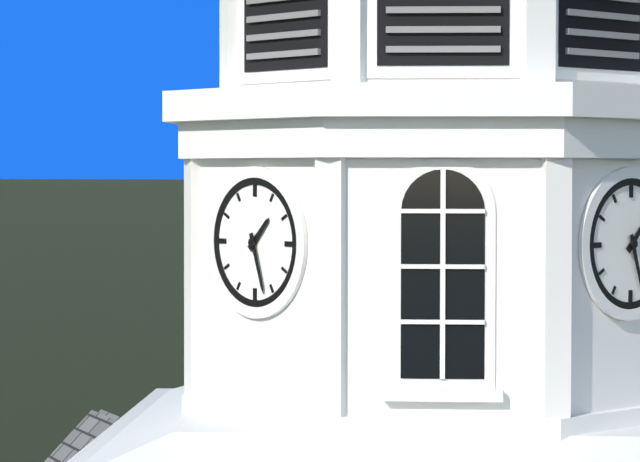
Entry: h=1 m=27
